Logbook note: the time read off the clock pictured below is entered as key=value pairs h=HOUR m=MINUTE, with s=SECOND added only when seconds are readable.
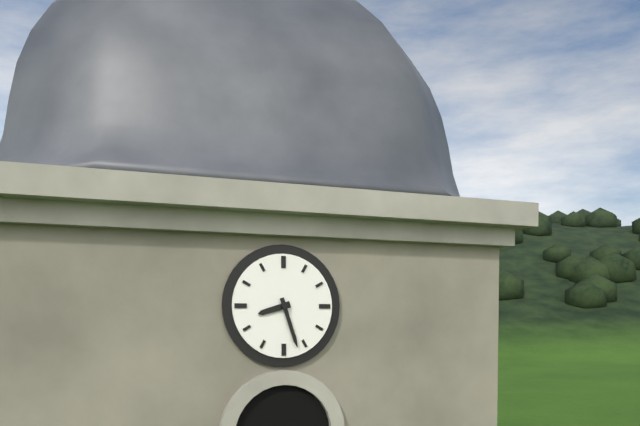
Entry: h=8 m=27
